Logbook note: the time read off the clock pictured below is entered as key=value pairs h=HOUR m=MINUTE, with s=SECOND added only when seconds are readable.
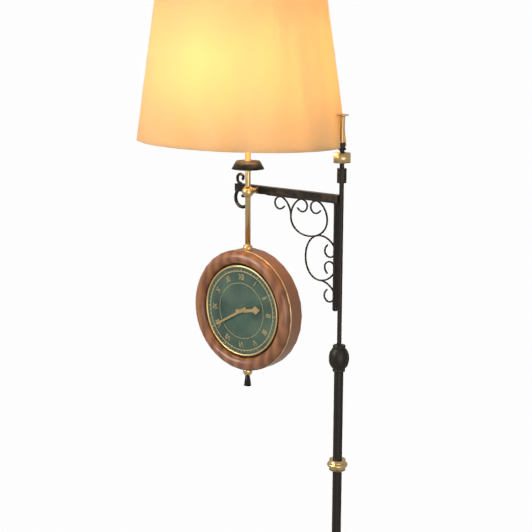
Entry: h=2 m=40
